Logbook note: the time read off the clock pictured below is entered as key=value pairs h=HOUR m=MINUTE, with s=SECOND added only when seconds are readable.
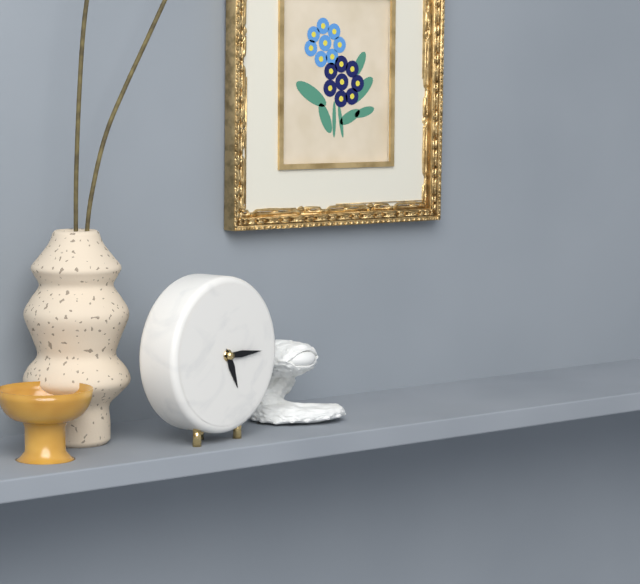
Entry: h=5 m=15
